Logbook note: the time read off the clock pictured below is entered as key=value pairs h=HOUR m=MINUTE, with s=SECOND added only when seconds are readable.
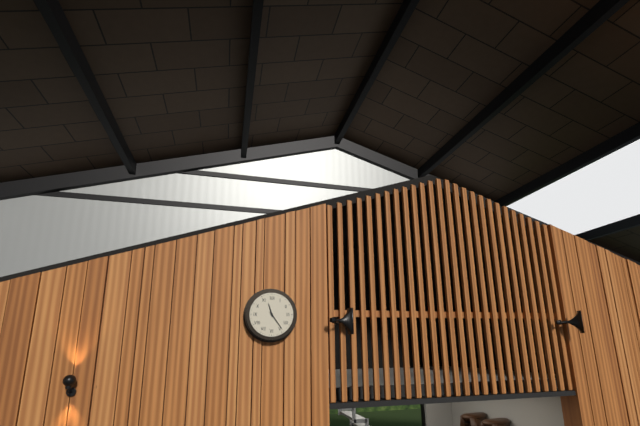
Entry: h=11 m=24
